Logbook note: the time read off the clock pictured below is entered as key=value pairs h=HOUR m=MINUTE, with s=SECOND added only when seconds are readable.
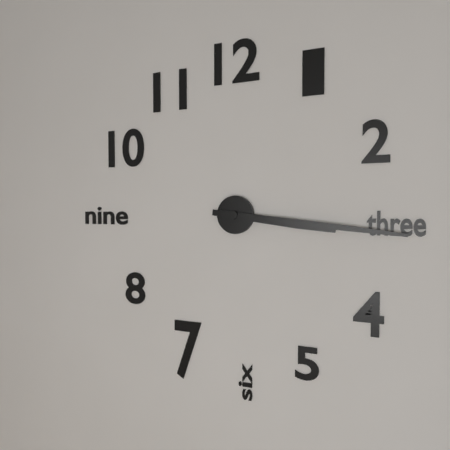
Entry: h=3 m=16
